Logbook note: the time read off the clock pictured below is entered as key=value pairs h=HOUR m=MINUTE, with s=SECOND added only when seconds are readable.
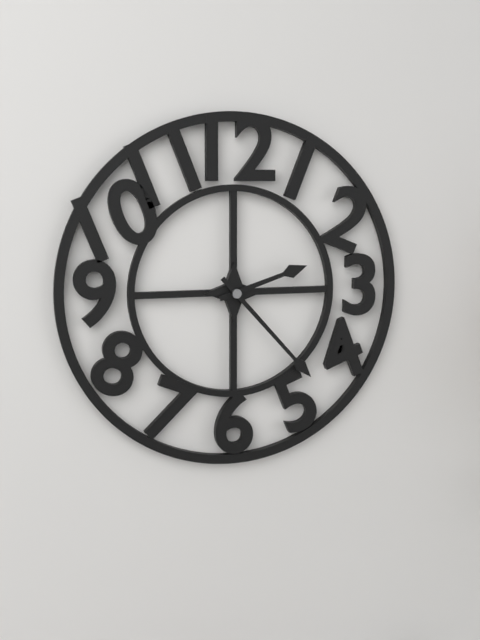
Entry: h=2 m=23
